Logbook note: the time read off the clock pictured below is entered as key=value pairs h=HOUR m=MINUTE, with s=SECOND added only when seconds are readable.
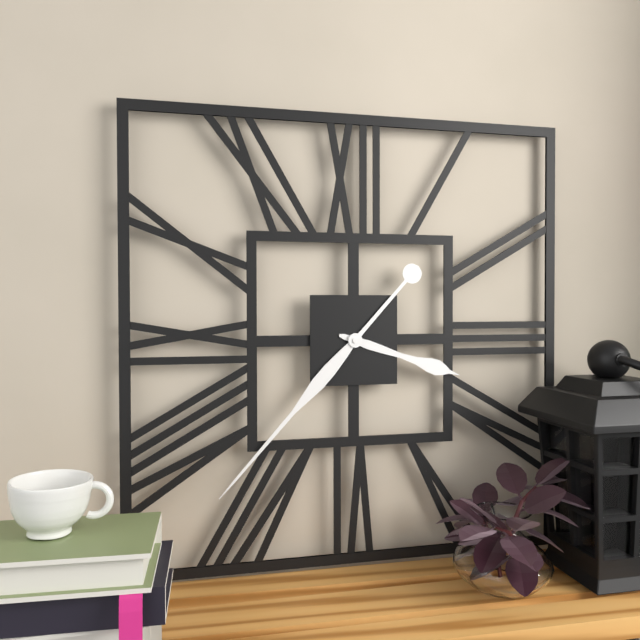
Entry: h=3 m=37
